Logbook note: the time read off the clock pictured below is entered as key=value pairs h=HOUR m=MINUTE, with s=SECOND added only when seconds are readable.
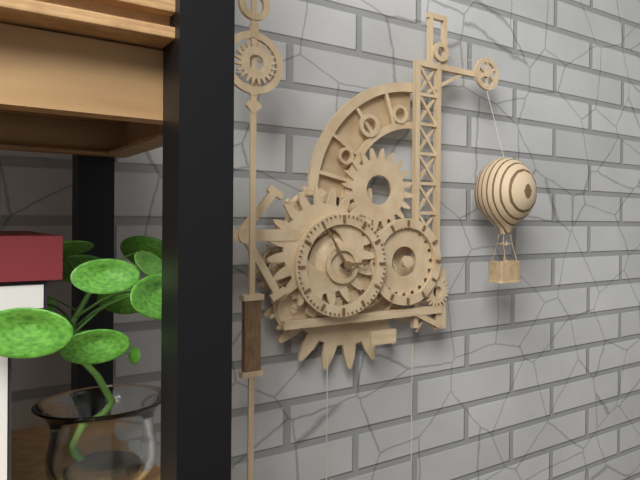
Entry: h=2 m=55
